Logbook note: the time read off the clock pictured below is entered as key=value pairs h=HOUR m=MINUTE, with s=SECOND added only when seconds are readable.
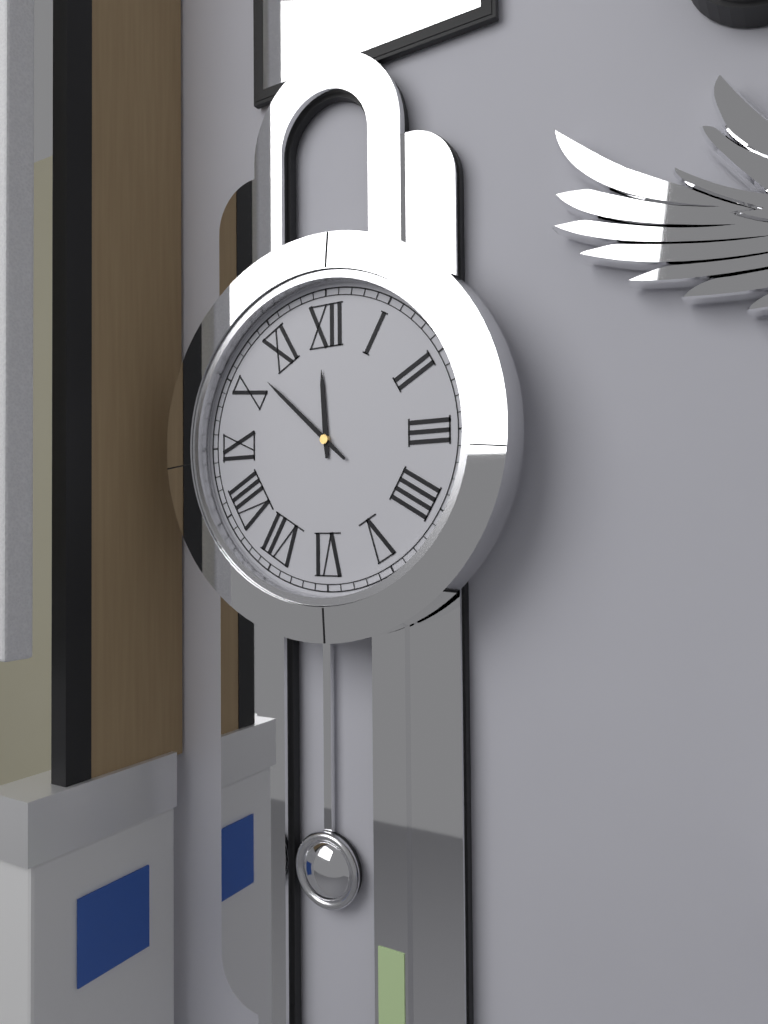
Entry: h=11 m=52
